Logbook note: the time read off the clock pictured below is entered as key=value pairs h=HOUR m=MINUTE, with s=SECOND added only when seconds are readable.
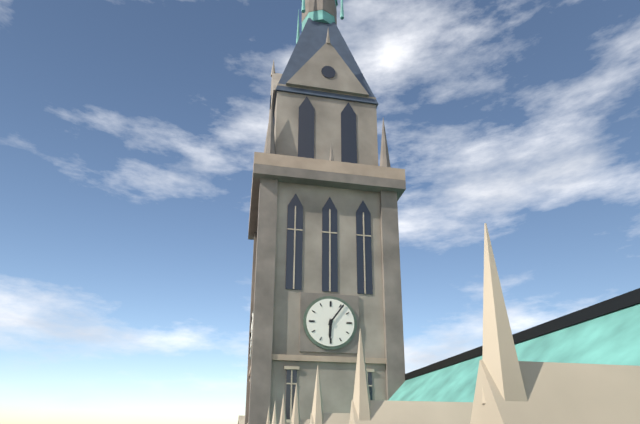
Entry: h=6 m=6
